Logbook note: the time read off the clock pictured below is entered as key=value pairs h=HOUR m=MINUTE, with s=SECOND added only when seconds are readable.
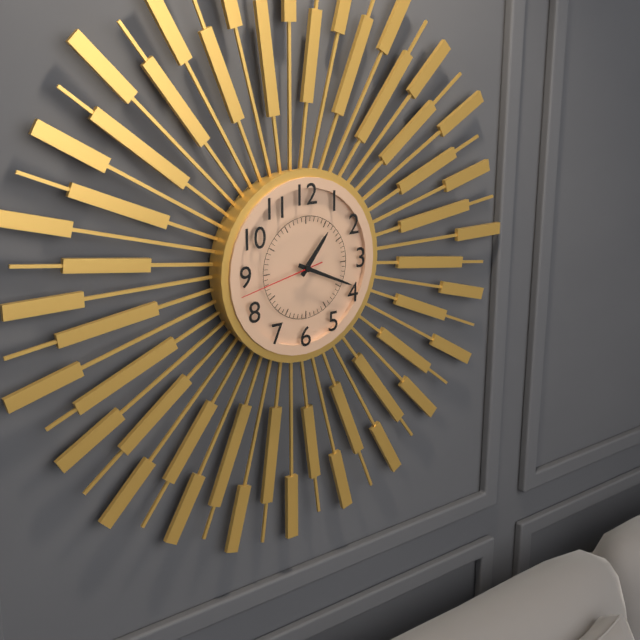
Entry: h=1 m=19 s=43
